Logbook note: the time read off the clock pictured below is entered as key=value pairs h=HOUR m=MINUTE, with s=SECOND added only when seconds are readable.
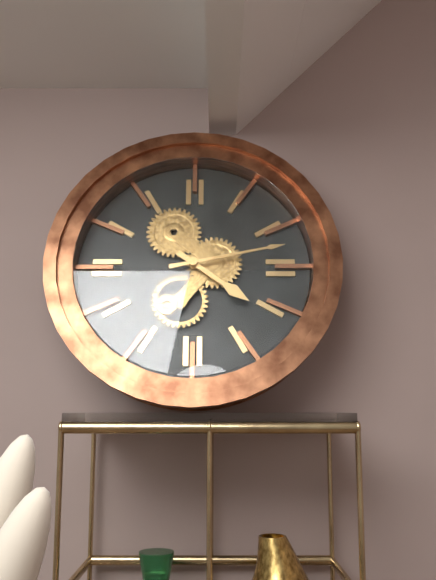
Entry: h=4 m=13
